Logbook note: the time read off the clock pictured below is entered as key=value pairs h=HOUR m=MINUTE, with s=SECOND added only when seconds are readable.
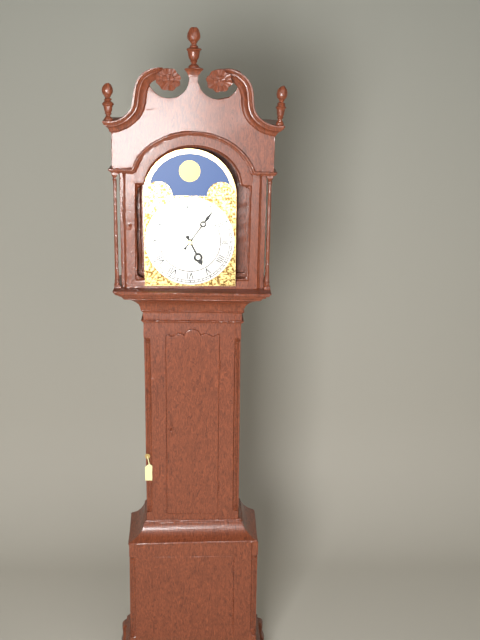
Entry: h=5 m=6
